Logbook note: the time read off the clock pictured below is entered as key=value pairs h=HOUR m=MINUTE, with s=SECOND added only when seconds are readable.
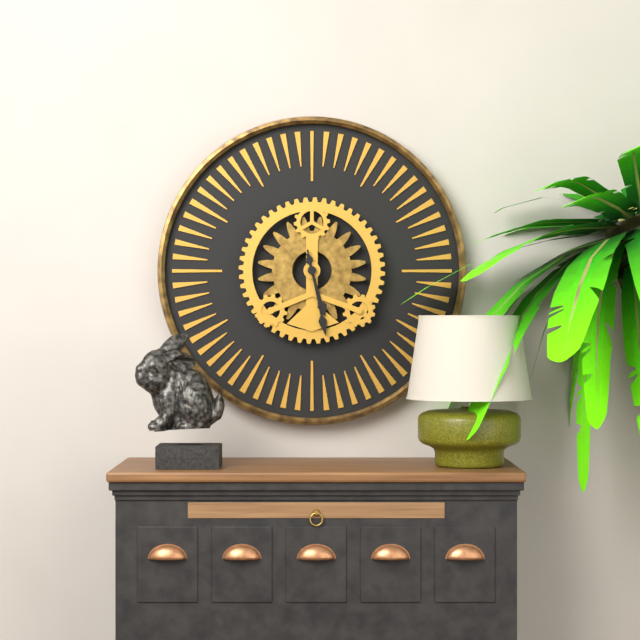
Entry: h=5 m=28
